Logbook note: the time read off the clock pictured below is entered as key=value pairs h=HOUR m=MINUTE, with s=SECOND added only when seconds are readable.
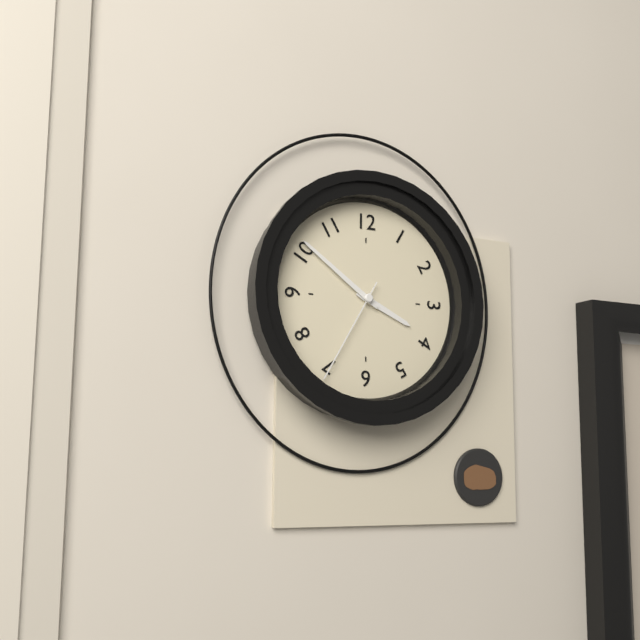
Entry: h=3 m=51 s=35
